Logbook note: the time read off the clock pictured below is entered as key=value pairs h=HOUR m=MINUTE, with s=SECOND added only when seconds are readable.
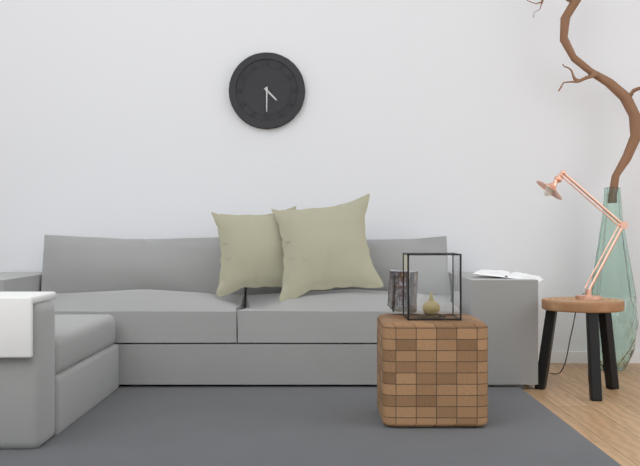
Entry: h=4 m=30
